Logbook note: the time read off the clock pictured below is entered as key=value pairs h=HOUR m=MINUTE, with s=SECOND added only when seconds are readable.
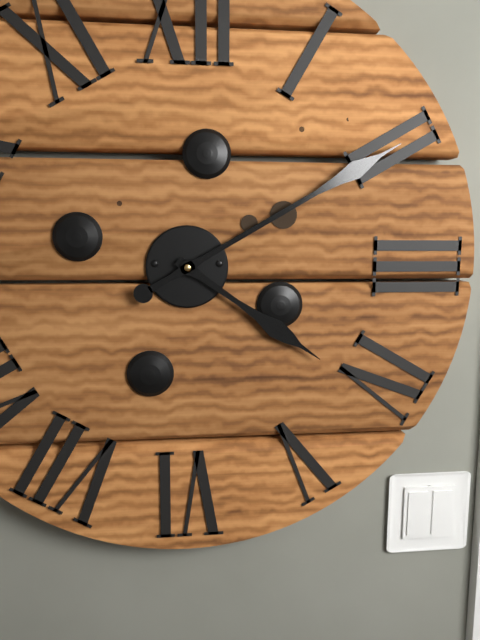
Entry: h=4 m=10
